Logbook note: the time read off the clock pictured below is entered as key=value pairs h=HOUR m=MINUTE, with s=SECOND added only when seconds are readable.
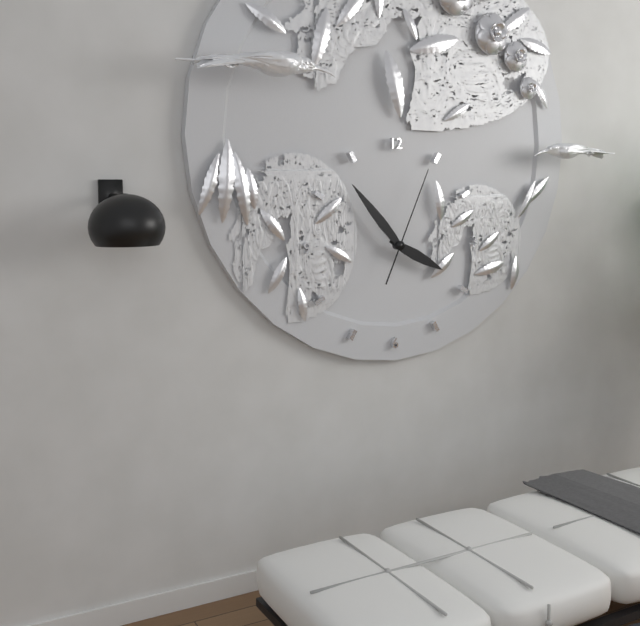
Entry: h=3 m=53 s=4
